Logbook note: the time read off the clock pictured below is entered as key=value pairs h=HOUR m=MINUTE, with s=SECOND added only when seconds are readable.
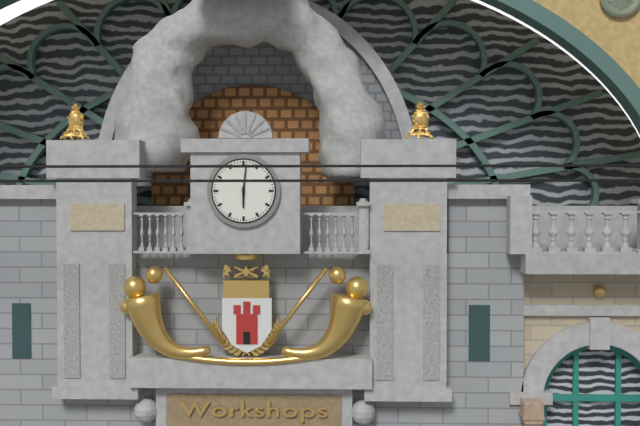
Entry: h=6 m=1
